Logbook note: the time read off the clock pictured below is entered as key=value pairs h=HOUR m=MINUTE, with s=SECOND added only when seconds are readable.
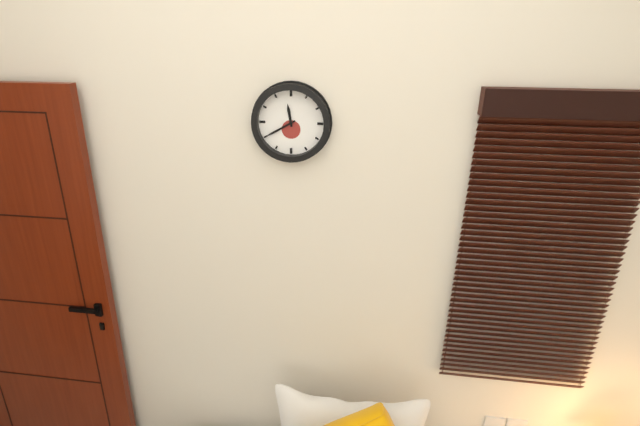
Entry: h=11 m=40
